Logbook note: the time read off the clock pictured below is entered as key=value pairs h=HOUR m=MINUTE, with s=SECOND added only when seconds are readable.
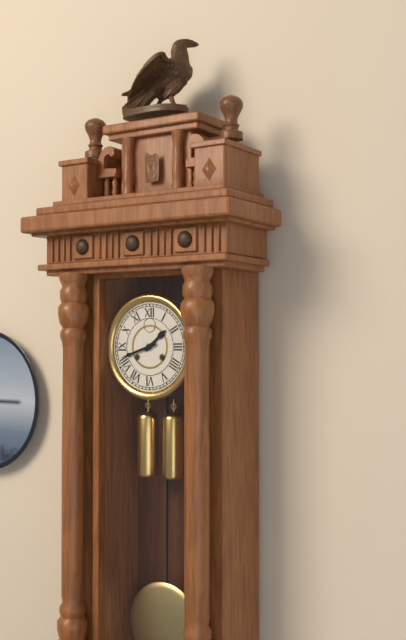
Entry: h=1 m=42
